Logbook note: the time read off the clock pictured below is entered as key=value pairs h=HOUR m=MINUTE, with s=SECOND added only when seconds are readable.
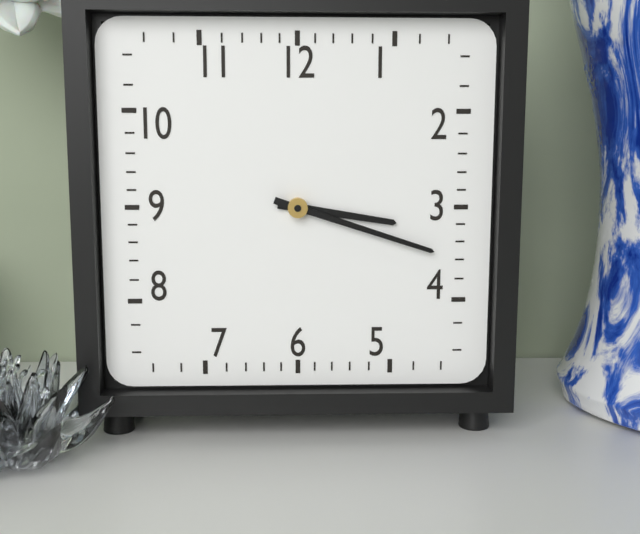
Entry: h=3 m=18
